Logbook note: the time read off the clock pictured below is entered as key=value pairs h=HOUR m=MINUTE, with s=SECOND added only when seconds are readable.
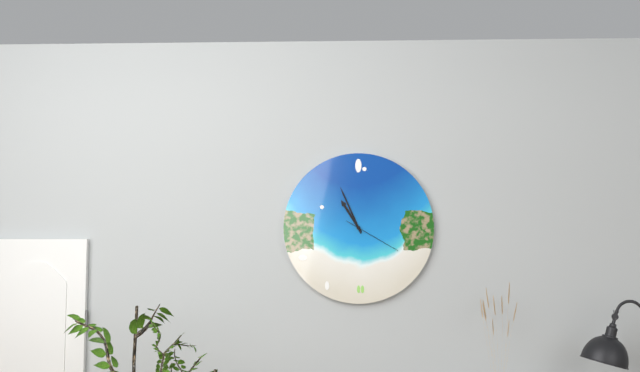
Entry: h=10 m=56 s=20
